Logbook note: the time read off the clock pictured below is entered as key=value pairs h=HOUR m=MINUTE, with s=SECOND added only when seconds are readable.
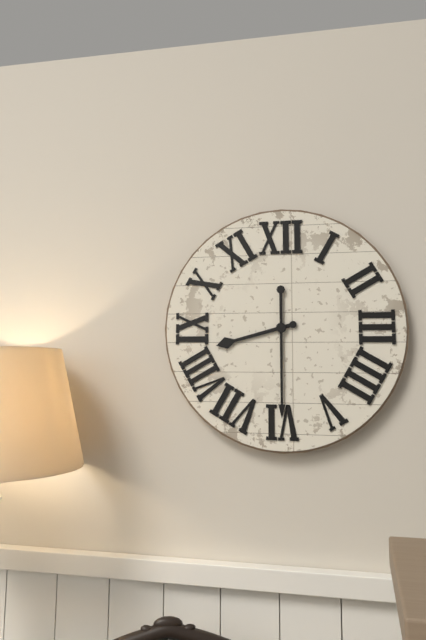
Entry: h=8 m=30
